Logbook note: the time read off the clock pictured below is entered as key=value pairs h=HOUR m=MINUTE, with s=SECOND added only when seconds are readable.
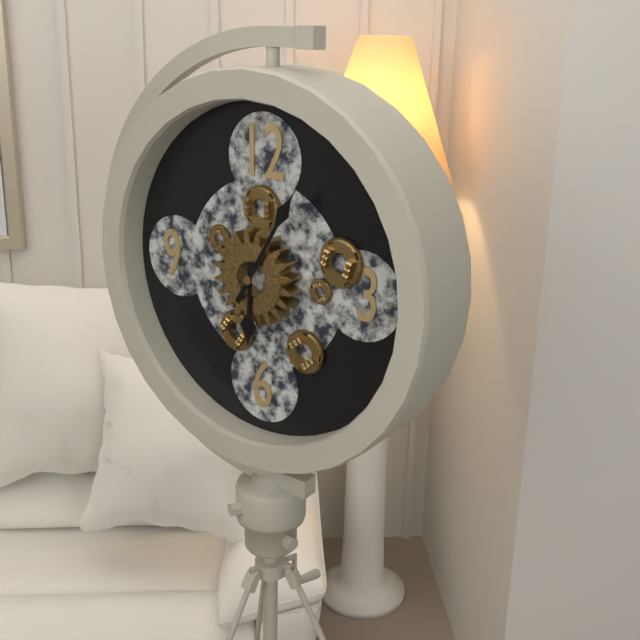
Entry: h=6 m=5
